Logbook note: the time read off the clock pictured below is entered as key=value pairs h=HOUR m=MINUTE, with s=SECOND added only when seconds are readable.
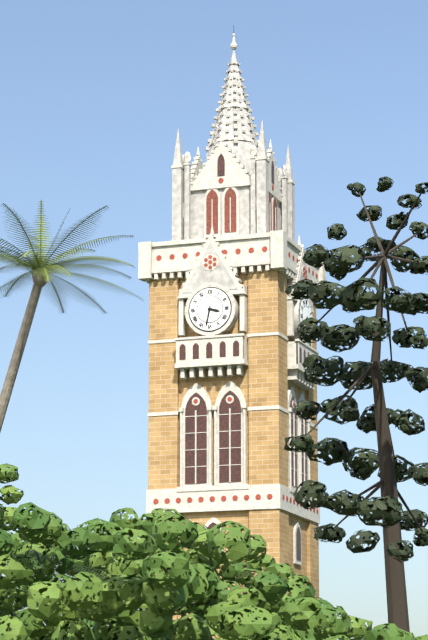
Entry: h=3 m=32
